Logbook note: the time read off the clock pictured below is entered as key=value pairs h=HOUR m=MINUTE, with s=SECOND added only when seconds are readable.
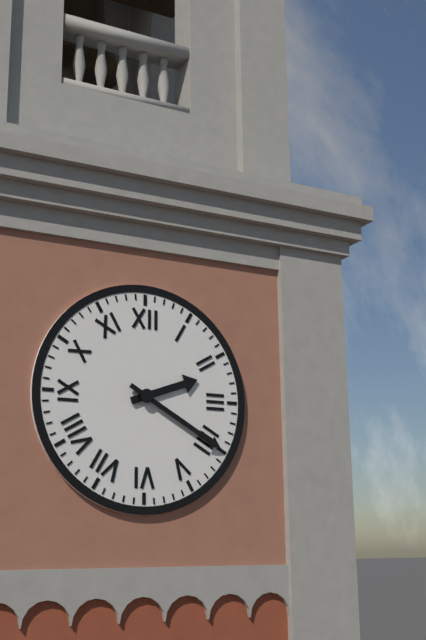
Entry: h=2 m=20
